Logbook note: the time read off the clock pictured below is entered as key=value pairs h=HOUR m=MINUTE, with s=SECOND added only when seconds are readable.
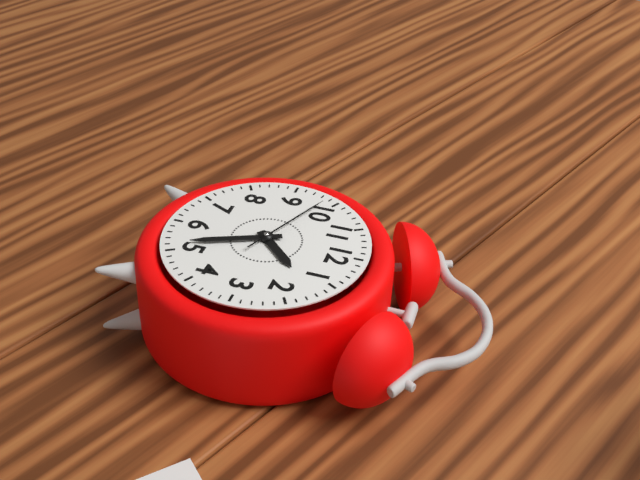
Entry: h=1 m=26 s=49
